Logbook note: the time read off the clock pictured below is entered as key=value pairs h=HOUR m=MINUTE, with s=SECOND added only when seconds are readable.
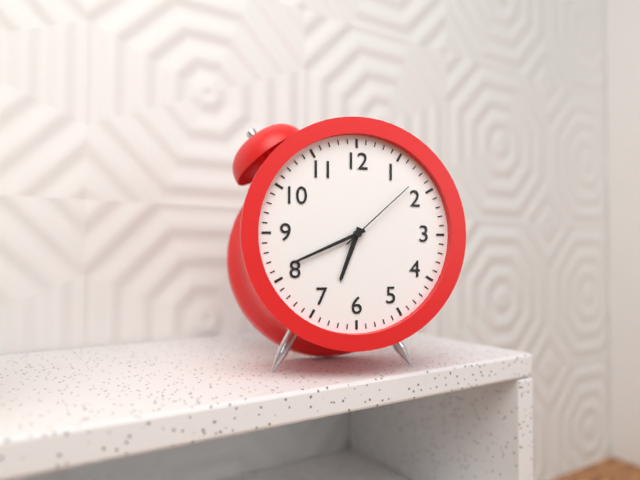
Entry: h=6 m=41 s=8
